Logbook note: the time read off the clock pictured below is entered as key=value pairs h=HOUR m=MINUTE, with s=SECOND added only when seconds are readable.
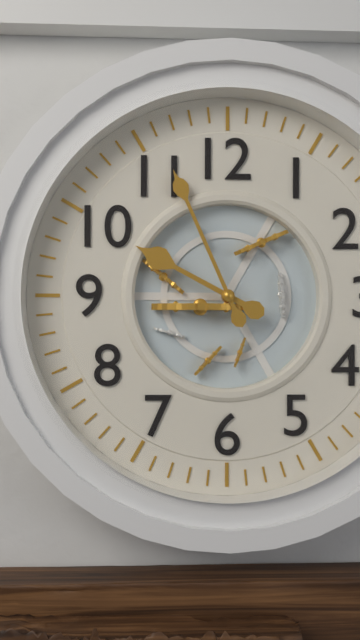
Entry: h=9 m=56
